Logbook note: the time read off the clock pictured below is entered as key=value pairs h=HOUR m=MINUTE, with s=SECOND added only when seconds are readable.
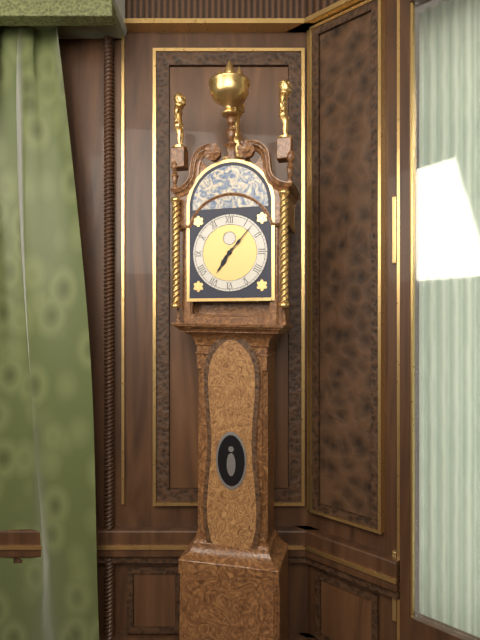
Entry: h=7 m=7
